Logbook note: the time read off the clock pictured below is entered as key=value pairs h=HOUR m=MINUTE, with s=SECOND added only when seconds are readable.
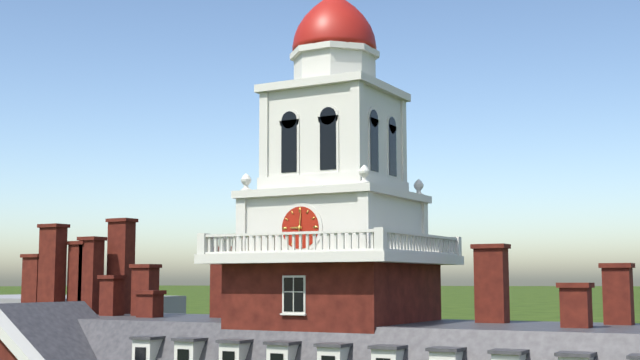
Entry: h=9 m=1
